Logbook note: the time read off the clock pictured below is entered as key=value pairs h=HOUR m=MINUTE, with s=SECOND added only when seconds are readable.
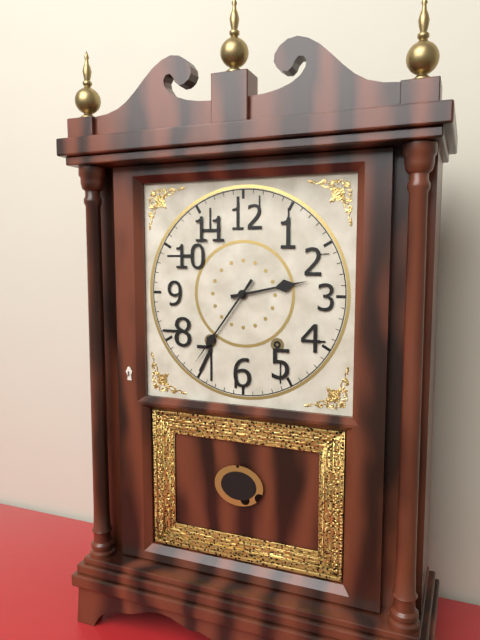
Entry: h=2 m=36
